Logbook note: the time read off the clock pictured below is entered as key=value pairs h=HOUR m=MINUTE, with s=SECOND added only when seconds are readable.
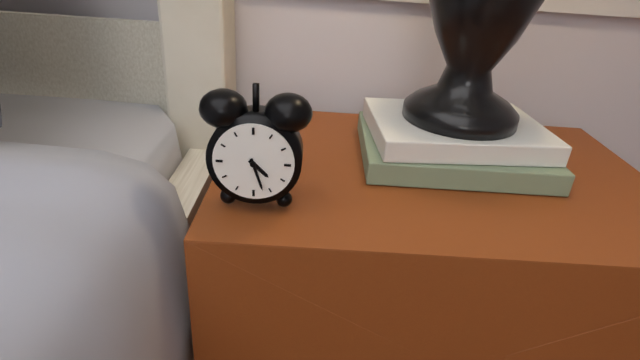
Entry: h=4 m=27
